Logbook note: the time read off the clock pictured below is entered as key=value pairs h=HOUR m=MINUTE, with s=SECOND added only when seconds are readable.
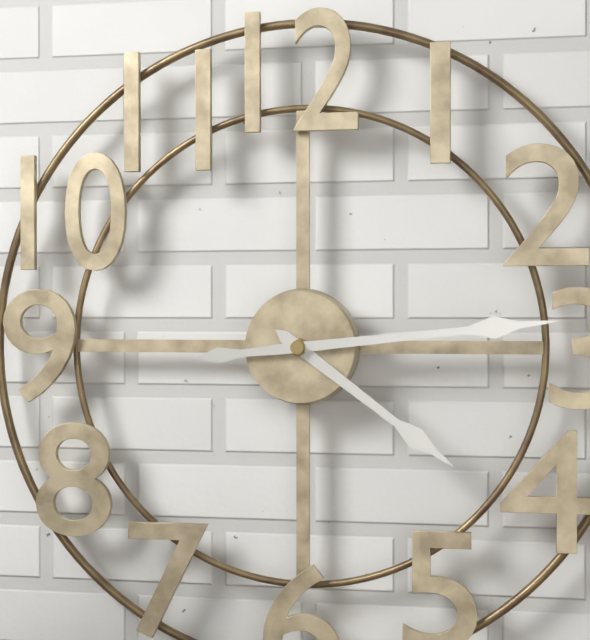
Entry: h=4 m=14
